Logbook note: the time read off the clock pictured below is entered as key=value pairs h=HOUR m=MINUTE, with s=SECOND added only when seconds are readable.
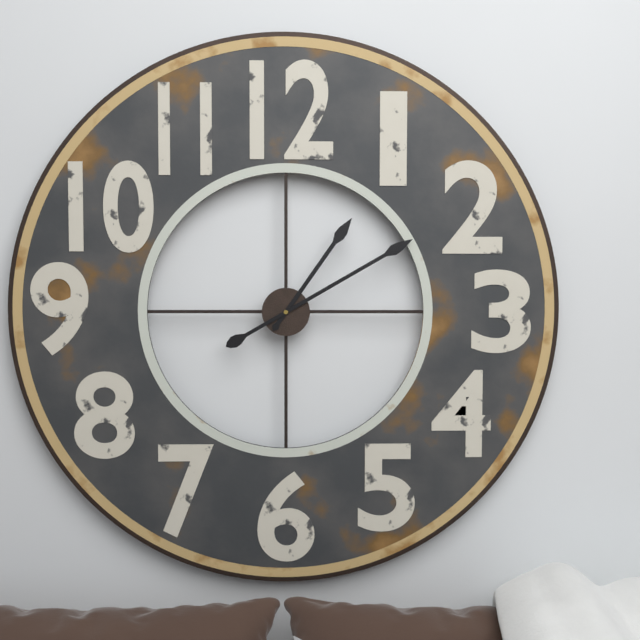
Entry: h=1 m=10
